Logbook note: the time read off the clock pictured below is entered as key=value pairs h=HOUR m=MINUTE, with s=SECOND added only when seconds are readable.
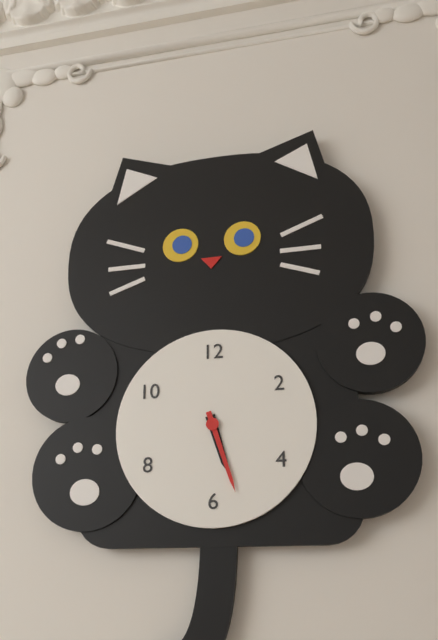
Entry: h=5 m=27
